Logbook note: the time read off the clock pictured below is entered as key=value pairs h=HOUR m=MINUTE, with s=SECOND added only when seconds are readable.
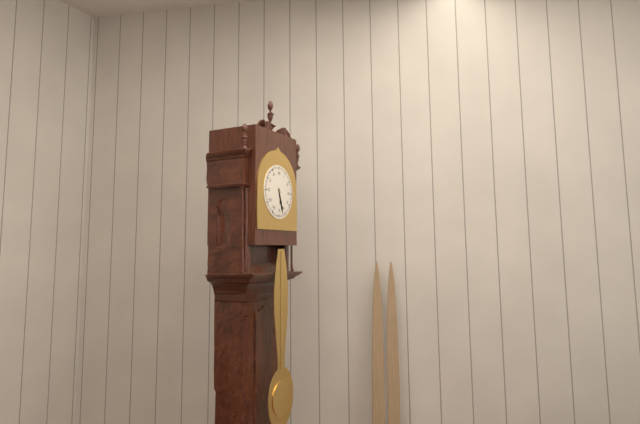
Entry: h=5 m=27
